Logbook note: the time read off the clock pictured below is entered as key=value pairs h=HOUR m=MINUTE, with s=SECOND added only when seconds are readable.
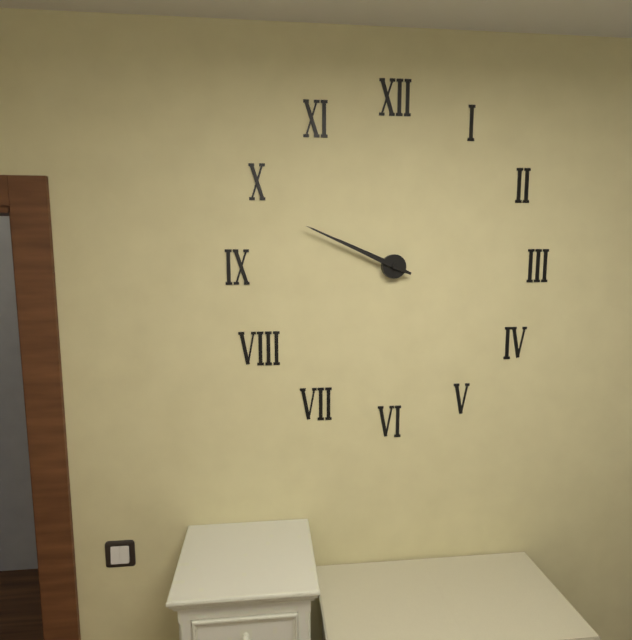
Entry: h=9 m=49
